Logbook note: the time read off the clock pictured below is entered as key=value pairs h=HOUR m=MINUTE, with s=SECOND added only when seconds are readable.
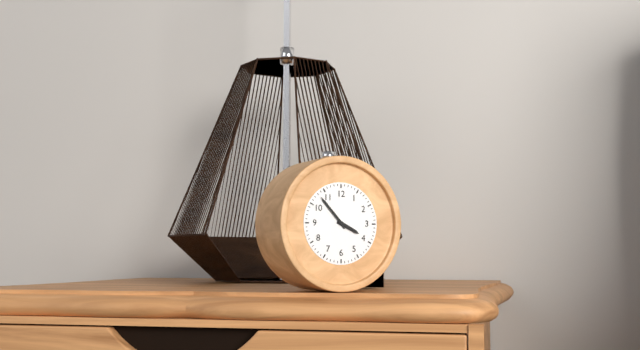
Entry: h=3 m=53
